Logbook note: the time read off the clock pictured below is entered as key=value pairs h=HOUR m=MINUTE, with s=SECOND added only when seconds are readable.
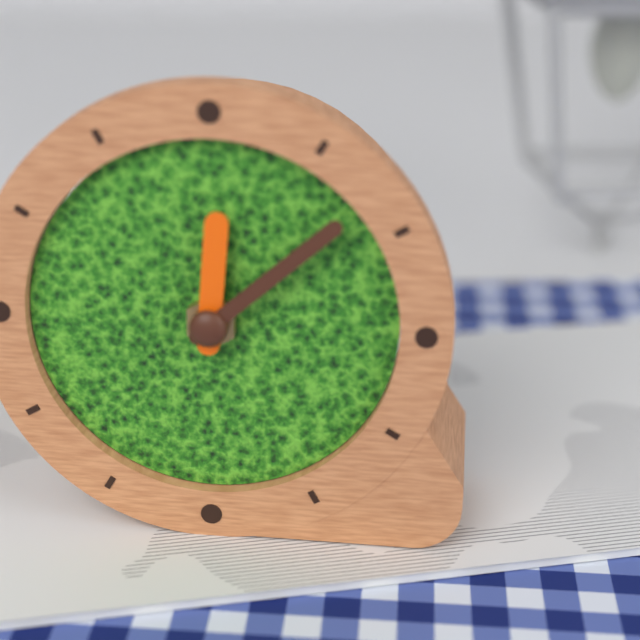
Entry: h=12 m=8
